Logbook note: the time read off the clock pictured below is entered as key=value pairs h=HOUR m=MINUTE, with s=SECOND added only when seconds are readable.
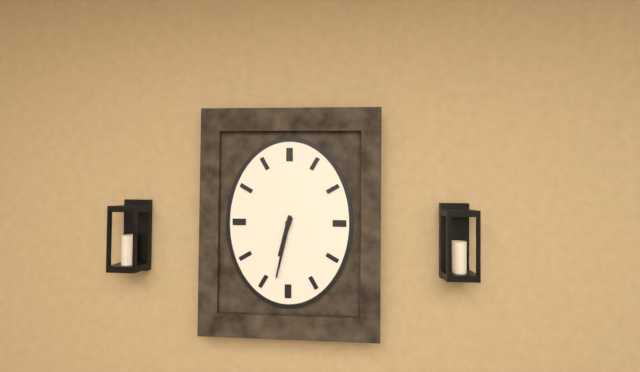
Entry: h=6 m=32
